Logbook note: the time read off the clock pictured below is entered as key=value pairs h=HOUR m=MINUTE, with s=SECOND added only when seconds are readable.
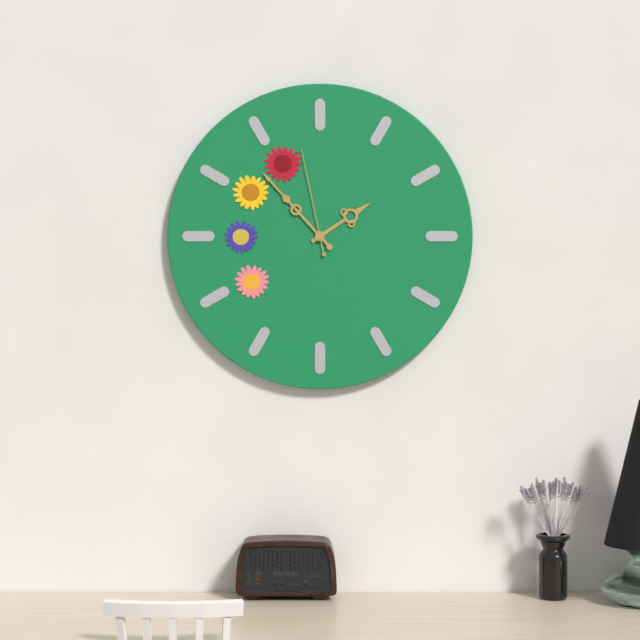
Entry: h=1 m=53 s=58
